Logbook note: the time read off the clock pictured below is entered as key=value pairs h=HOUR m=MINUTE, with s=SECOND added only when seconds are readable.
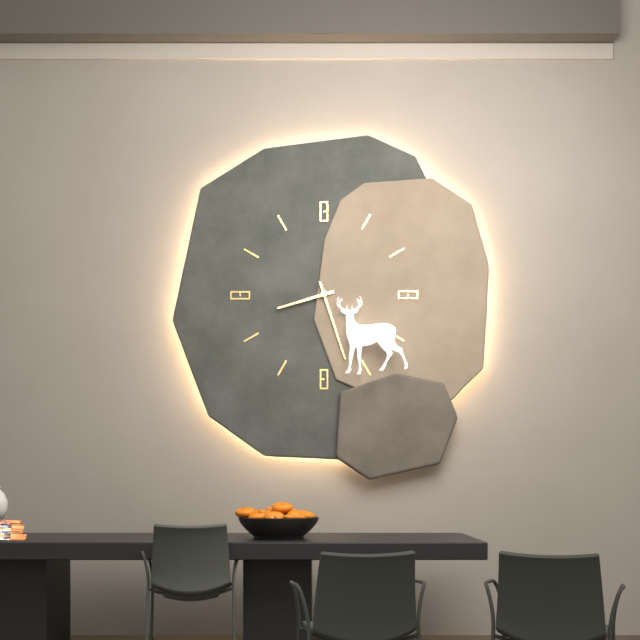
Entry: h=8 m=27
